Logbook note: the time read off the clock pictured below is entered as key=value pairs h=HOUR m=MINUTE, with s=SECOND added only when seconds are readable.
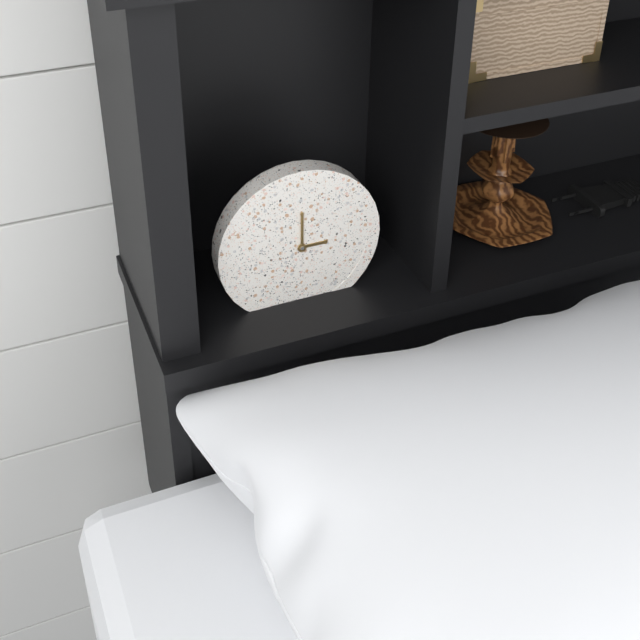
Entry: h=3 m=0
